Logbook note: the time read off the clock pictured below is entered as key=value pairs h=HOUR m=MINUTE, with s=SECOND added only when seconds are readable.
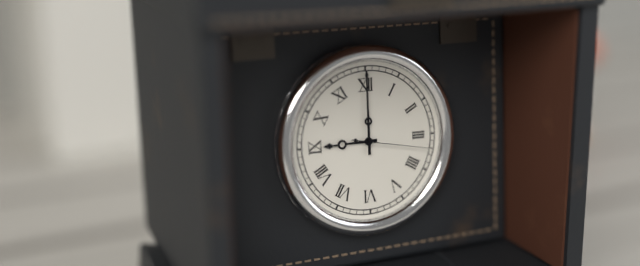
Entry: h=9 m=0 s=17
